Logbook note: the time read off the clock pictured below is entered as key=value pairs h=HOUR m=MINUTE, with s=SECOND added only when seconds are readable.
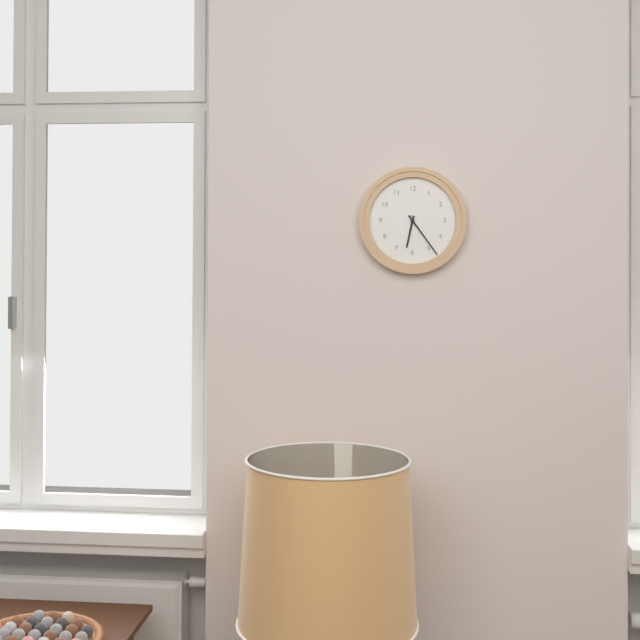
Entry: h=6 m=24
